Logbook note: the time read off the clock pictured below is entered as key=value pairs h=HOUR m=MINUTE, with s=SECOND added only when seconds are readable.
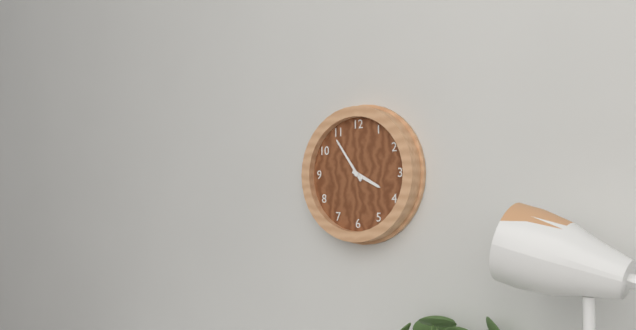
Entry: h=3 m=54
